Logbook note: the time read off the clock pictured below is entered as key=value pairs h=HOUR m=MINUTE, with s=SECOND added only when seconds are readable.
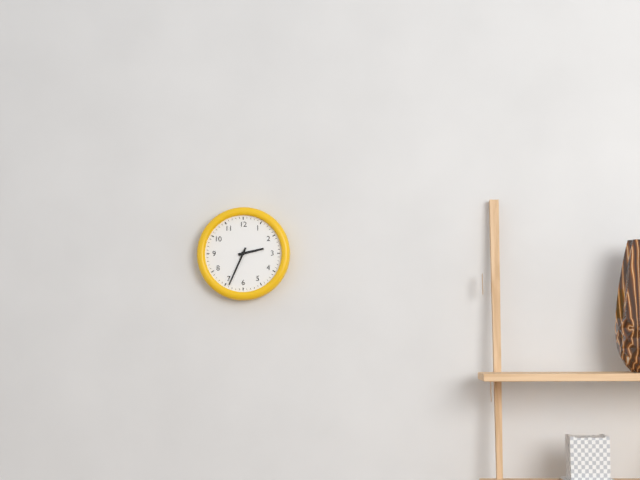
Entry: h=2 m=34
